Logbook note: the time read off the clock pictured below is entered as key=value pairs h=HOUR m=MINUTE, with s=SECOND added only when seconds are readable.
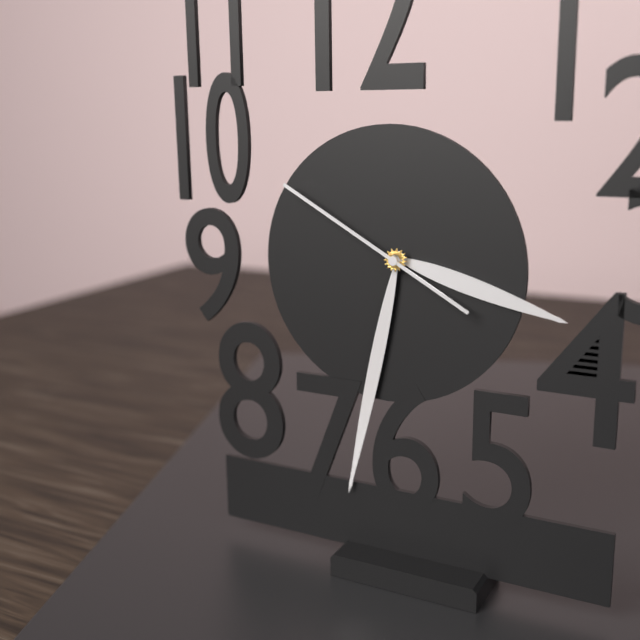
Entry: h=3 m=32 s=50
